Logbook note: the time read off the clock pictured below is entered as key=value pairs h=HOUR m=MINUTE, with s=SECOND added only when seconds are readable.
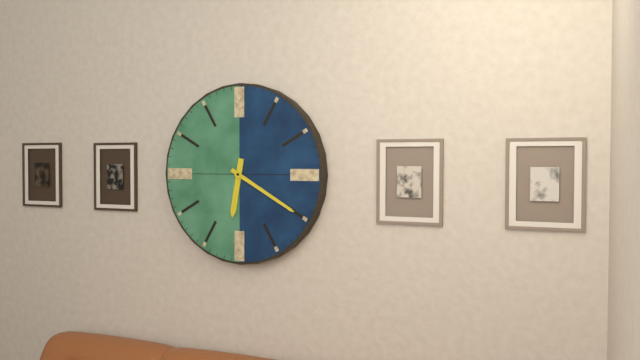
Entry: h=6 m=20
